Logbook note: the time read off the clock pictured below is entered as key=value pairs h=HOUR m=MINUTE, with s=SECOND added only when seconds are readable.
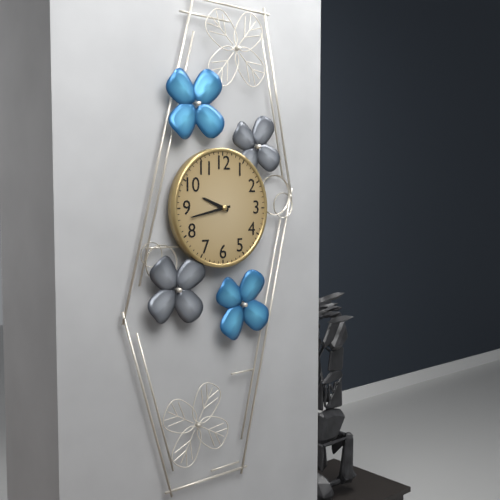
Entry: h=9 m=43
